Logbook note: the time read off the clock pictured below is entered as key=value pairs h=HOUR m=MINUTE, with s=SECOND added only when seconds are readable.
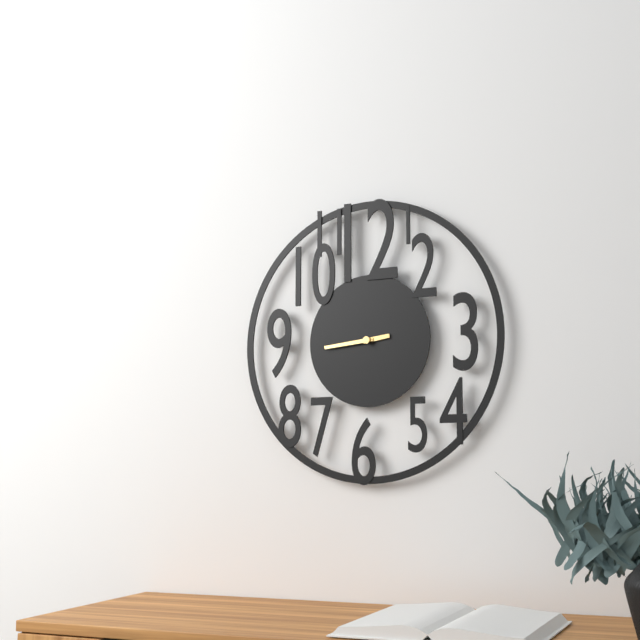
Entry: h=2 m=44
